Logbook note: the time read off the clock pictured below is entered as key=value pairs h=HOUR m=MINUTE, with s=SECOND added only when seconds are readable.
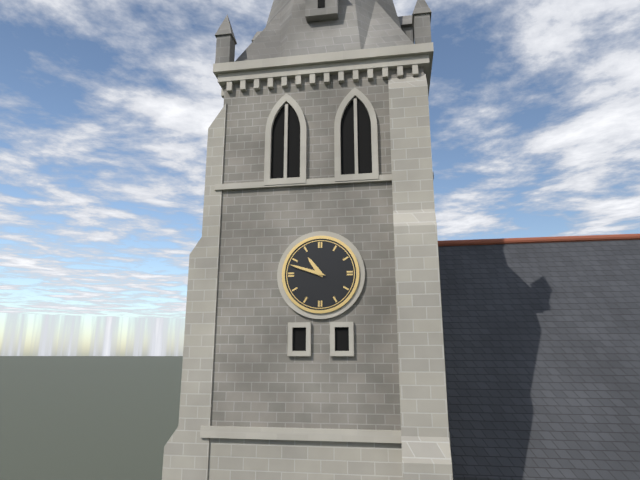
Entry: h=10 m=48
